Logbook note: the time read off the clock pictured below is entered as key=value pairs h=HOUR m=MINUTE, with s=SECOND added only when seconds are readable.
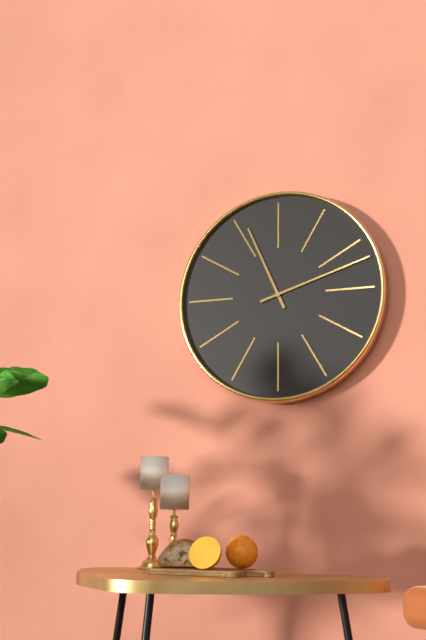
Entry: h=11 m=12
